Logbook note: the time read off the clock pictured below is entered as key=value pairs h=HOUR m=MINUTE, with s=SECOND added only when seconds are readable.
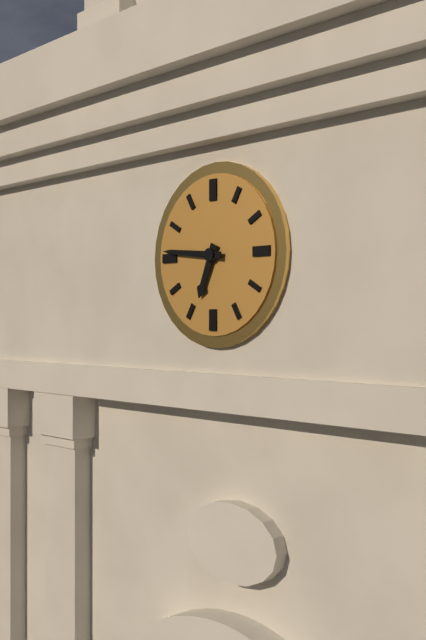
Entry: h=6 m=46
